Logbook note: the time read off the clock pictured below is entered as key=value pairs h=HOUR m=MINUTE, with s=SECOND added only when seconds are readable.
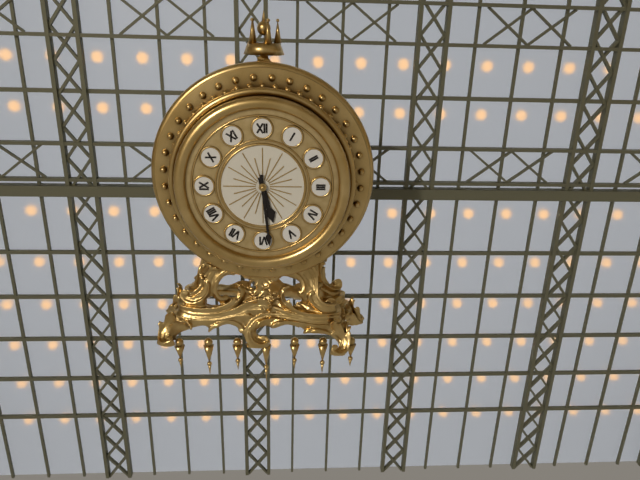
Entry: h=5 m=29
